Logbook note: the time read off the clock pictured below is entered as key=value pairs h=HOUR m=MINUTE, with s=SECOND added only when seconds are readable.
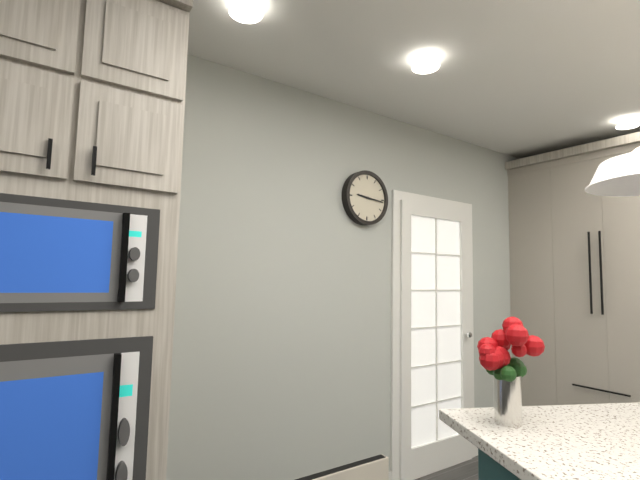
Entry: h=9 m=16
